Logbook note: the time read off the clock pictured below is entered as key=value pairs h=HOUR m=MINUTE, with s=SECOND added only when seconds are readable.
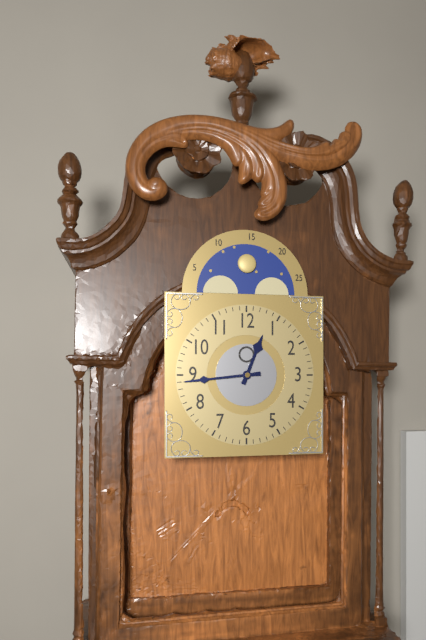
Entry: h=12 m=44
